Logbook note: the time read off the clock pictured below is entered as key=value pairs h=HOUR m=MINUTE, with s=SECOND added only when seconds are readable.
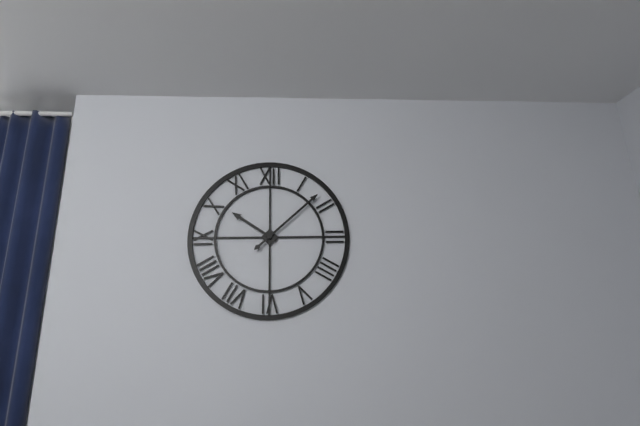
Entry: h=10 m=8
